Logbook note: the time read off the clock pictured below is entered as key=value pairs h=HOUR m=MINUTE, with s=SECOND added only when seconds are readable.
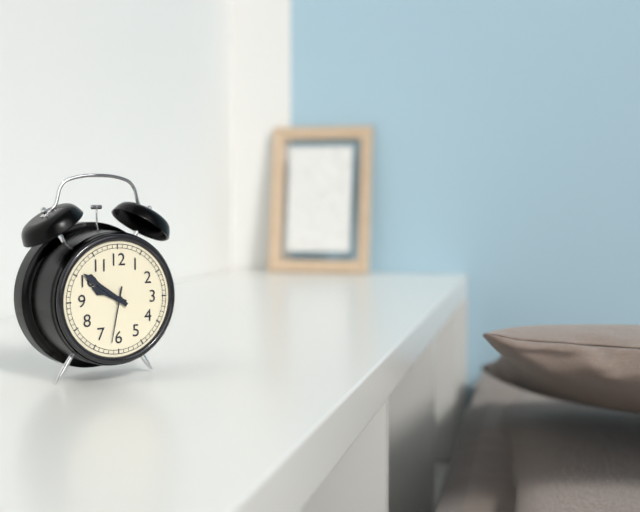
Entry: h=9 m=51 s=32
